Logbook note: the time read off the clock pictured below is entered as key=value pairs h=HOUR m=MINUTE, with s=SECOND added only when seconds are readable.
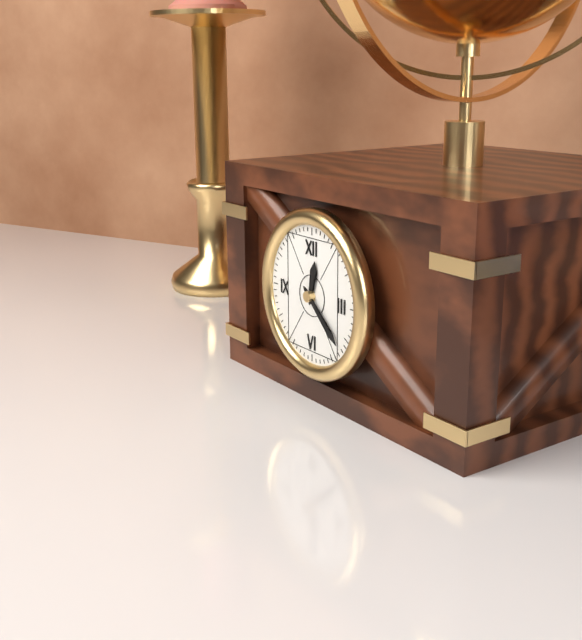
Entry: h=12 m=22
